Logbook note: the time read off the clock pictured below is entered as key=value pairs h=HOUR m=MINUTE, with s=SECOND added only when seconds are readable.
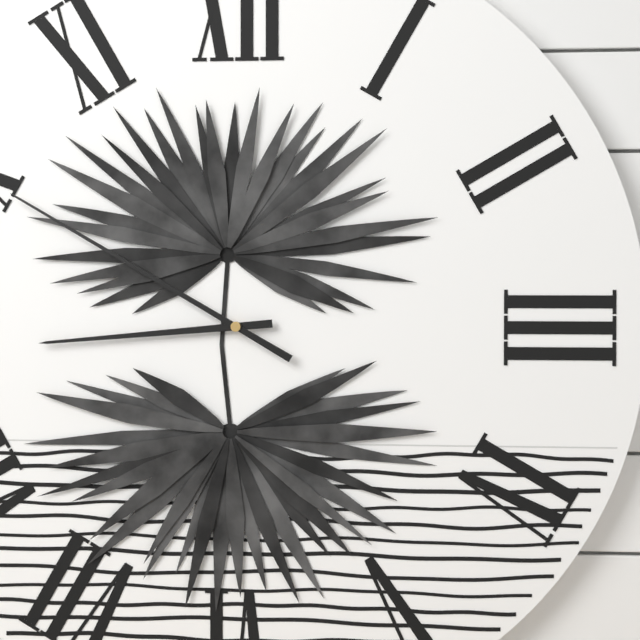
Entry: h=8 m=50
